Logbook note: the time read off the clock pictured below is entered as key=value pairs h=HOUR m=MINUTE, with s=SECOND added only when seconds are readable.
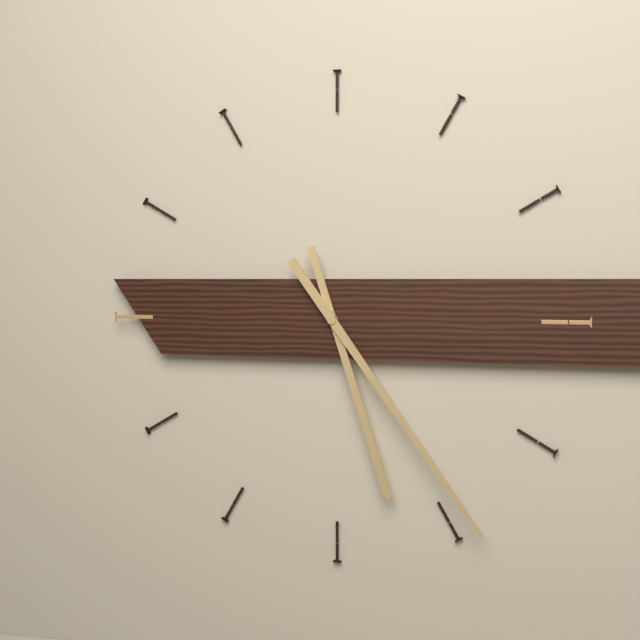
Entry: h=5 m=24
